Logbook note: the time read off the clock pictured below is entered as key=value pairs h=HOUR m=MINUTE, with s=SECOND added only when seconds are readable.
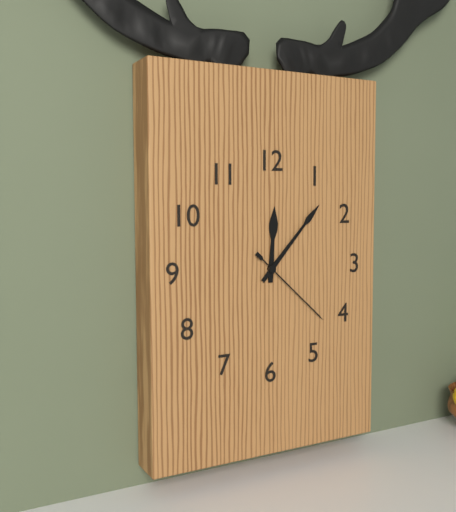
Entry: h=12 m=7 s=22
